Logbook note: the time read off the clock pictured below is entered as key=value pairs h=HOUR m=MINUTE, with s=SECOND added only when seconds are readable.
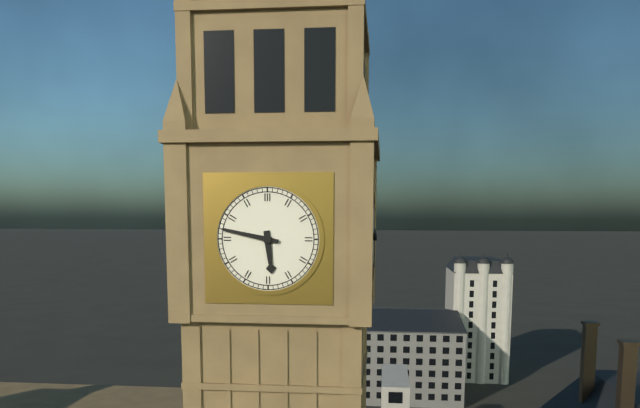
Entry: h=5 m=47
